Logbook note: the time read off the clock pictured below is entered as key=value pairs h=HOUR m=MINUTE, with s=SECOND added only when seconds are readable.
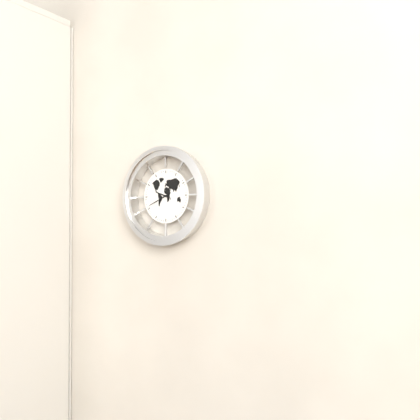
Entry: h=9 m=41
